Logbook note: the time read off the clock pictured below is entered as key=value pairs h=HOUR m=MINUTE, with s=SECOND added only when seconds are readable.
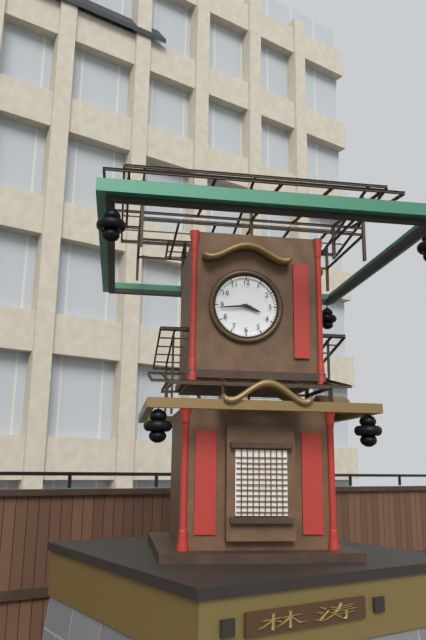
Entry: h=3 m=44
